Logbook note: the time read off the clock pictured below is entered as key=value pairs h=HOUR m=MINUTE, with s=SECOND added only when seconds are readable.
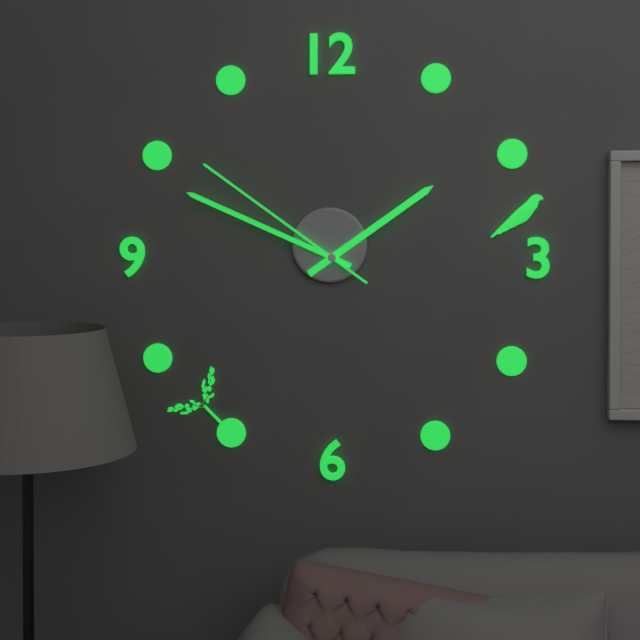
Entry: h=1 m=49 s=51
